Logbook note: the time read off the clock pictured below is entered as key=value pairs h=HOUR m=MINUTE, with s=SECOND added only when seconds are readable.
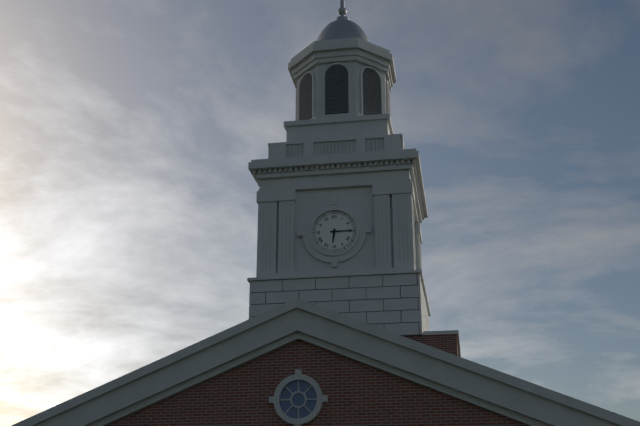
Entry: h=6 m=15
